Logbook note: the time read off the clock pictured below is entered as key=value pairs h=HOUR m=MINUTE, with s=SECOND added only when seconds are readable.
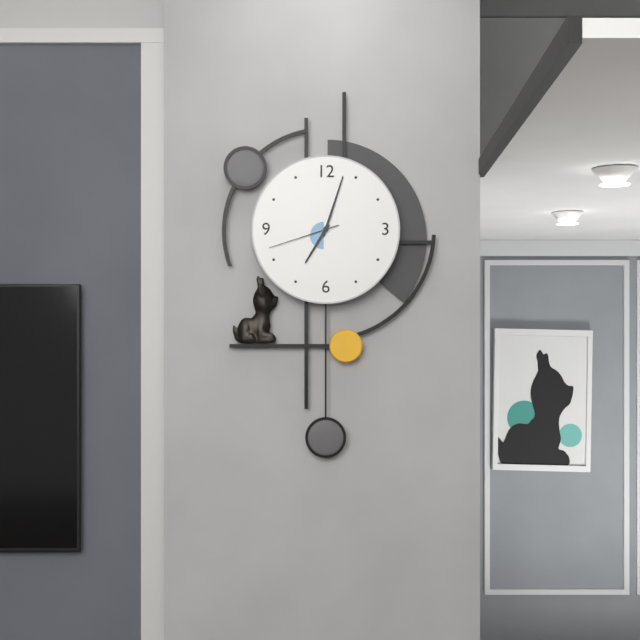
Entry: h=7 m=3 s=42
